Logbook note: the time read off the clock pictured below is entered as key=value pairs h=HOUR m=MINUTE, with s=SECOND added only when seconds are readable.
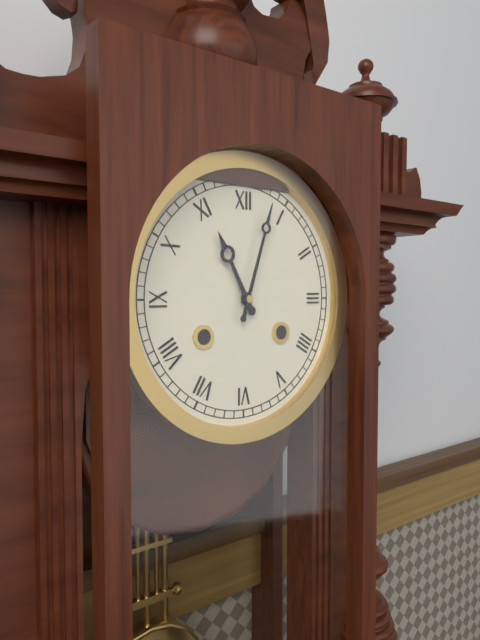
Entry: h=11 m=3
